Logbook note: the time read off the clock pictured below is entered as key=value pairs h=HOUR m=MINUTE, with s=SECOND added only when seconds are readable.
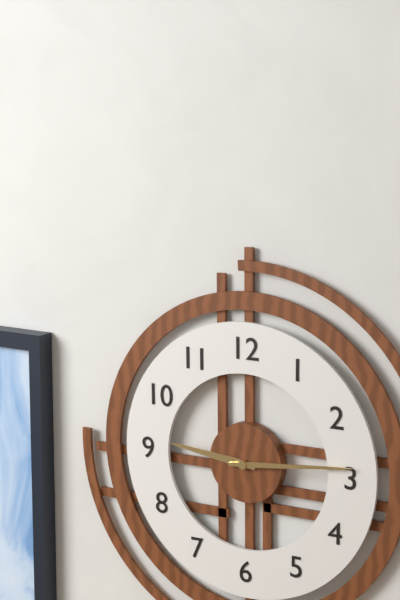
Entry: h=9 m=14
